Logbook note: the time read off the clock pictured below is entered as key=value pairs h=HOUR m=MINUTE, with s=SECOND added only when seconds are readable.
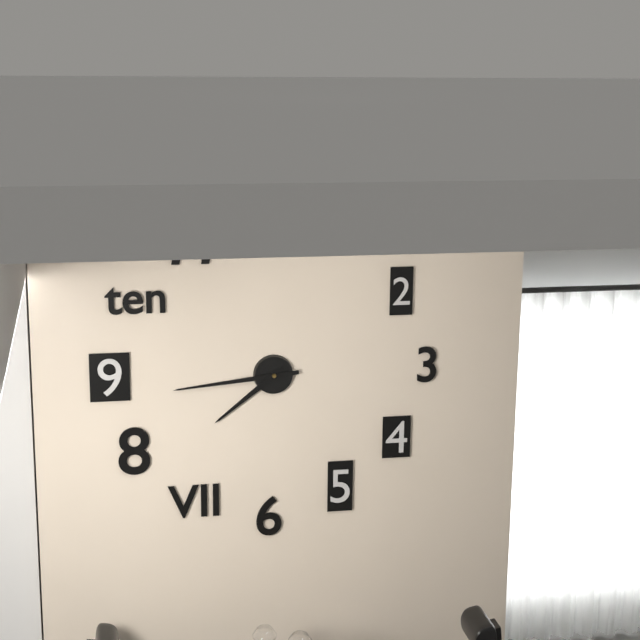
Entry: h=7 m=44
